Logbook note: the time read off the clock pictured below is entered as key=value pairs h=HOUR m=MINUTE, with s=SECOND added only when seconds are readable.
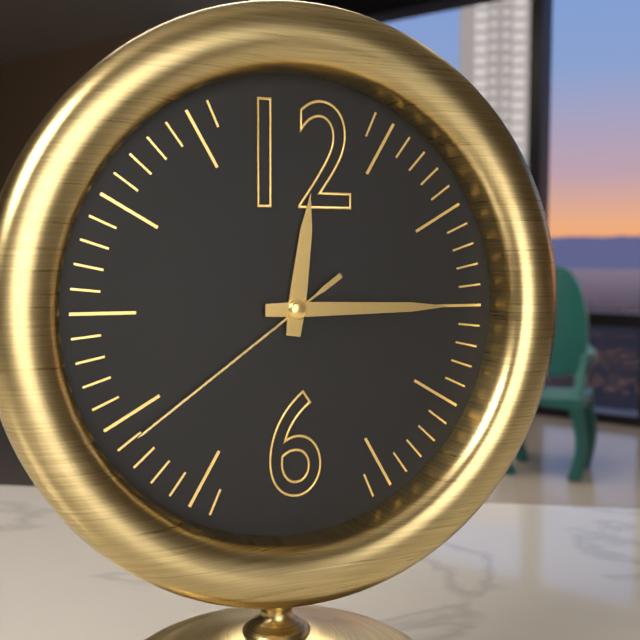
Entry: h=12 m=15 s=39
